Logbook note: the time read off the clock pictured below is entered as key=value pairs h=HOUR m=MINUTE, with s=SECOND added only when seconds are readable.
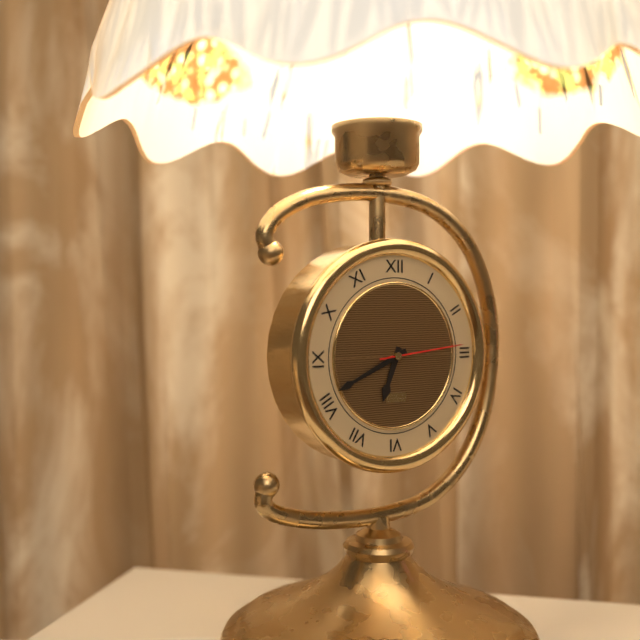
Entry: h=6 m=41 s=14
